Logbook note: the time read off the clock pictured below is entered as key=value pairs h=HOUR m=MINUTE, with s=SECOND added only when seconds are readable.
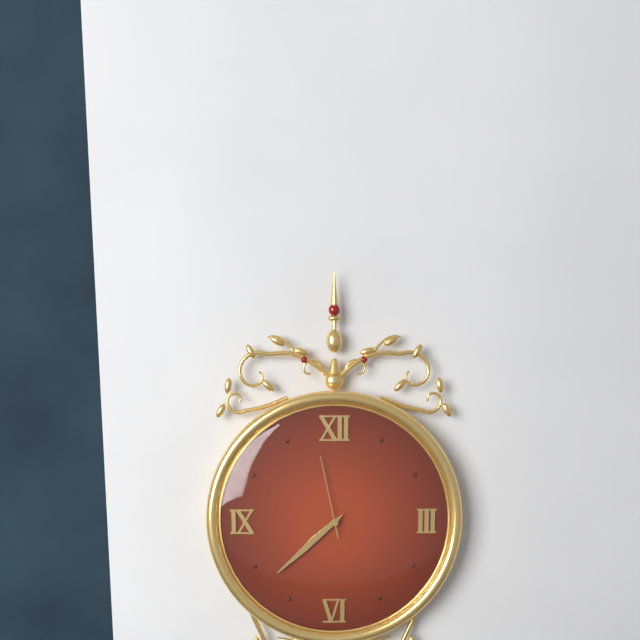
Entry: h=7 m=38 s=58
